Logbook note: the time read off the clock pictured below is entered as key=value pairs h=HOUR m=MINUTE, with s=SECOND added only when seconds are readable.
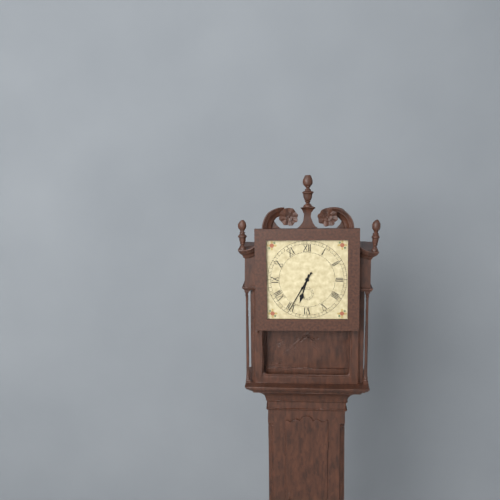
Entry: h=6 m=35
